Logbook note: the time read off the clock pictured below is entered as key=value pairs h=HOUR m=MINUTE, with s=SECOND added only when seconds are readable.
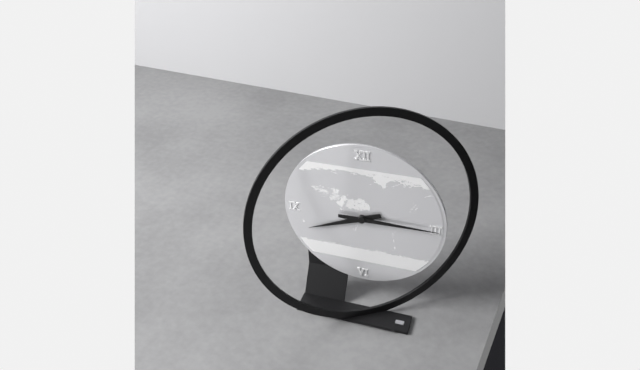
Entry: h=8 m=15
